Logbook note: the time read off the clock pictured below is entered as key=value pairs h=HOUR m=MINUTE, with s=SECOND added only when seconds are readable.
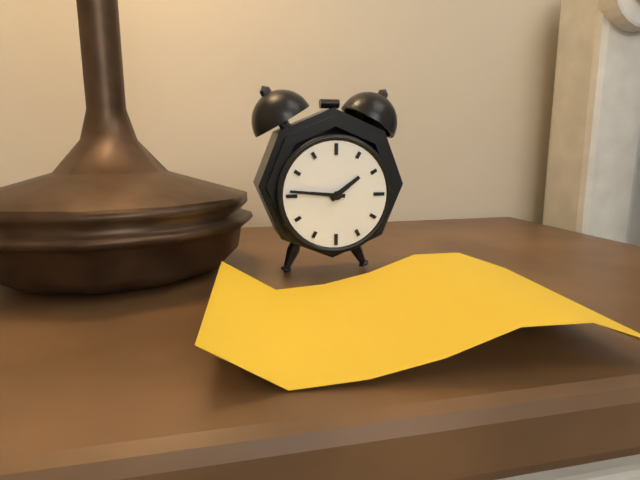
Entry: h=1 m=46
